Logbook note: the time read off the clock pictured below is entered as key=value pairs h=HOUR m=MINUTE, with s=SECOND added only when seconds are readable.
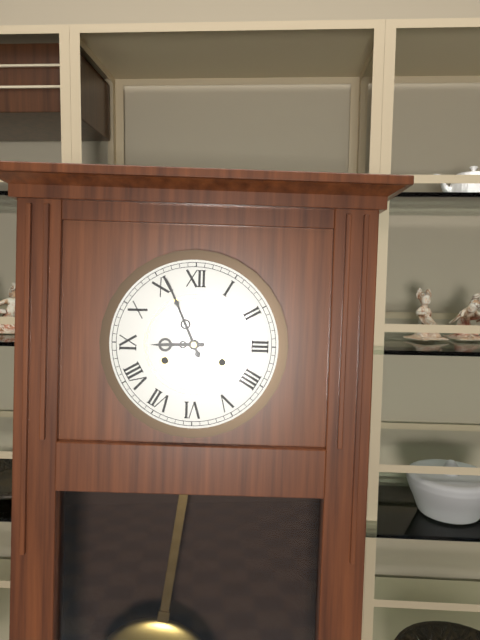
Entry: h=8 m=56
